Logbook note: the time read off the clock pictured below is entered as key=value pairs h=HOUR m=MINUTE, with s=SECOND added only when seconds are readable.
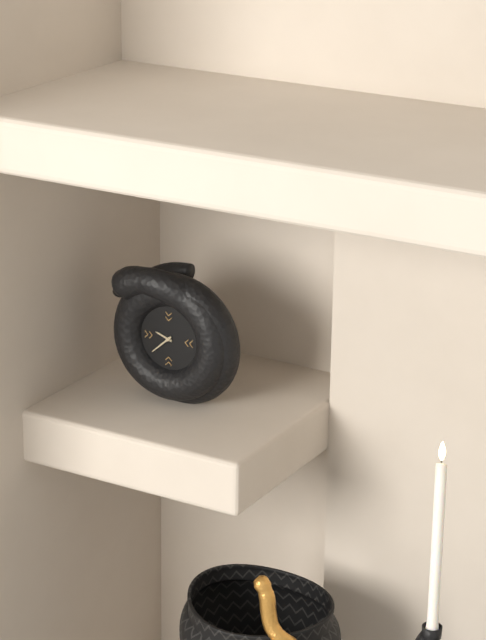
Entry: h=9 m=38
